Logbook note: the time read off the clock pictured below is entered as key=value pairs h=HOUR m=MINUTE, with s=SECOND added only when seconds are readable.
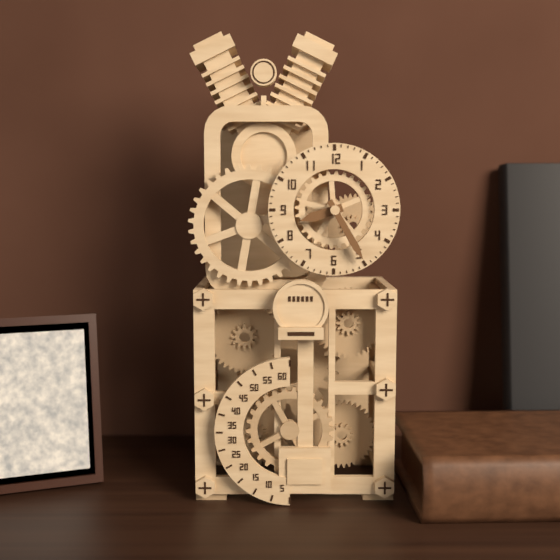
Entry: h=8 m=25
